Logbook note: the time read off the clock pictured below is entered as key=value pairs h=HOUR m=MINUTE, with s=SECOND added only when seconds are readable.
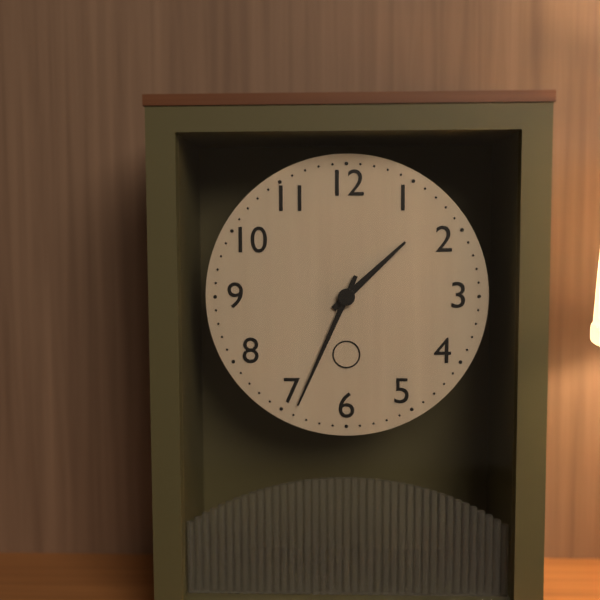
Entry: h=1 m=34
